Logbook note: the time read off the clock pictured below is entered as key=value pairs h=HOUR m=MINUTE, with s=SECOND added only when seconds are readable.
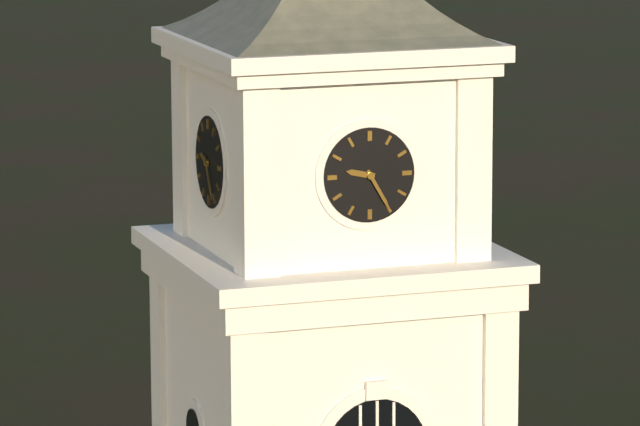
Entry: h=9 m=25
